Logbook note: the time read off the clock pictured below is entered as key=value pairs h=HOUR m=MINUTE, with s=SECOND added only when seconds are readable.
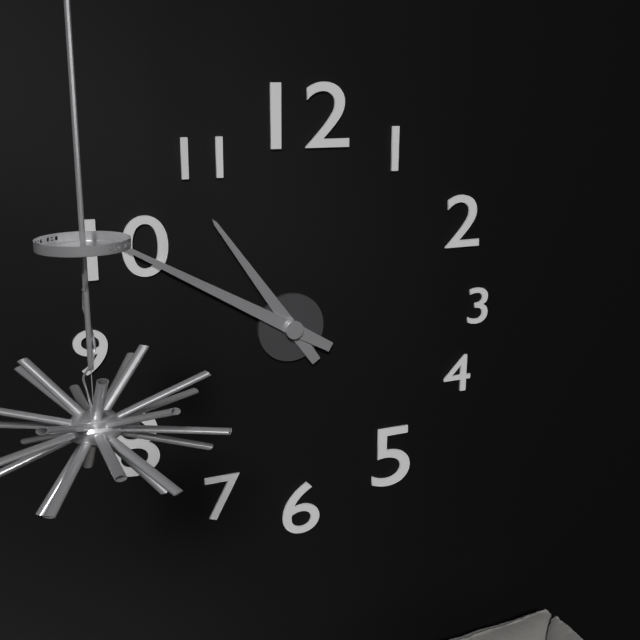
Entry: h=10 m=50
